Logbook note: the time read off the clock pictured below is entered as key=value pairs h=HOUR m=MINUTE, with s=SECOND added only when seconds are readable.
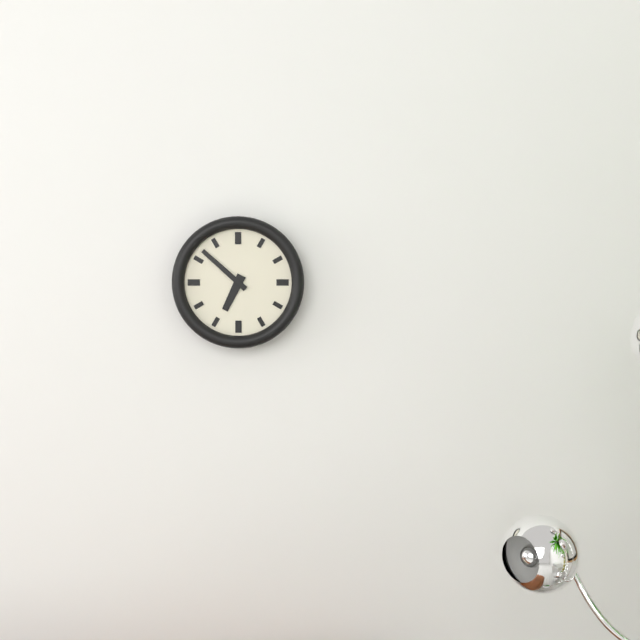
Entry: h=6 m=52
